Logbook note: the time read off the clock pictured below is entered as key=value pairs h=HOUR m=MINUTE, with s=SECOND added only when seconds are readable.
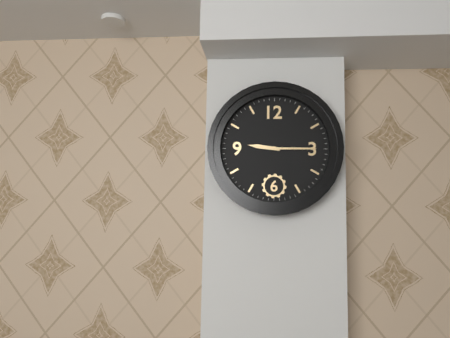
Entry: h=9 m=15
